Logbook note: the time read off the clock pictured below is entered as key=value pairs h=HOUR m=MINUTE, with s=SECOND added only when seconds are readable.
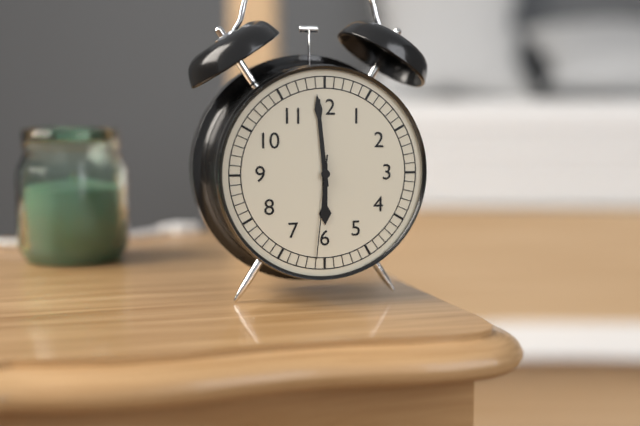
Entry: h=5 m=59 s=31
